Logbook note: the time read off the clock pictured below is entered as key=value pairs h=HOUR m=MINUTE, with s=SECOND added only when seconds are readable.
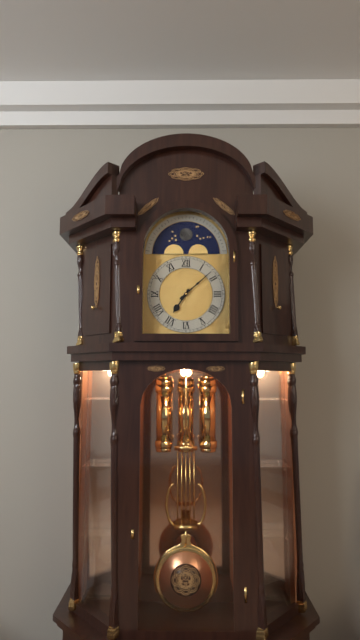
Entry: h=7 m=8
